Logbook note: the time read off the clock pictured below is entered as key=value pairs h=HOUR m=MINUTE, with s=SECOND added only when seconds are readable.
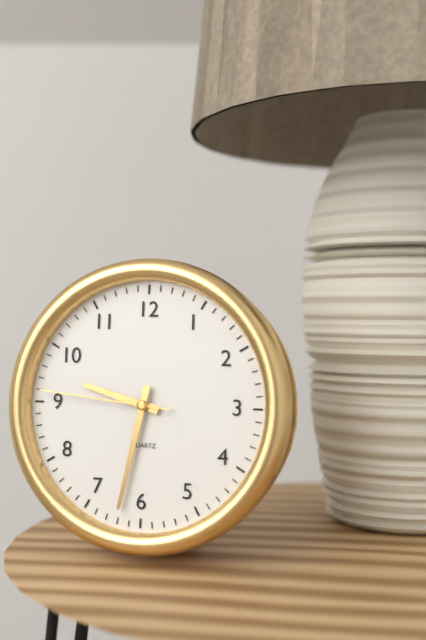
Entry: h=9 m=32 s=46
